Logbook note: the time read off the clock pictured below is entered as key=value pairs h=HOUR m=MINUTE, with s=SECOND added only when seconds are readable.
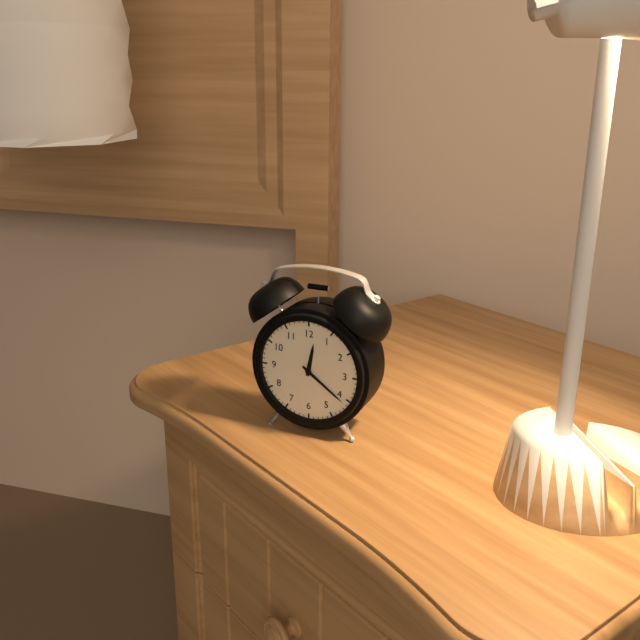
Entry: h=12 m=21
